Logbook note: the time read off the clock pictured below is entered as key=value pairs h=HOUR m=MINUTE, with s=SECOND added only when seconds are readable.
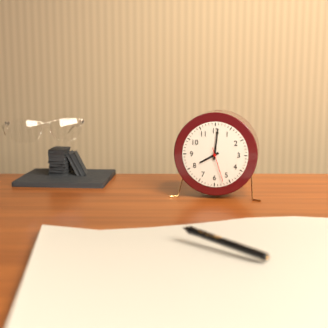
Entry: h=8 m=1
